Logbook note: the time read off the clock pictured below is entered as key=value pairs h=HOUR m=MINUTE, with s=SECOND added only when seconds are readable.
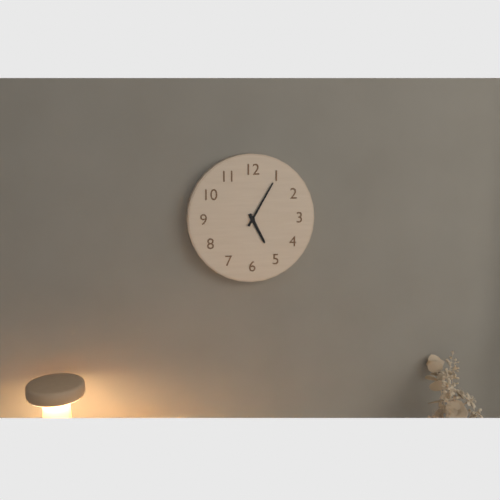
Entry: h=5 m=5
